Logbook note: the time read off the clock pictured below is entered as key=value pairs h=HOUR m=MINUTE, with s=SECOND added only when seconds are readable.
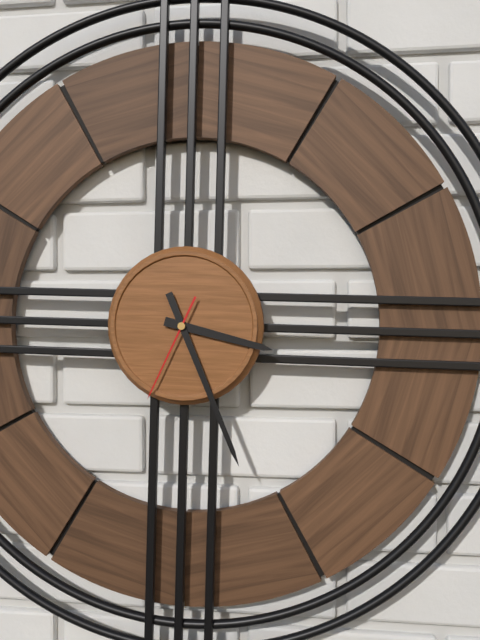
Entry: h=3 m=26 s=34
